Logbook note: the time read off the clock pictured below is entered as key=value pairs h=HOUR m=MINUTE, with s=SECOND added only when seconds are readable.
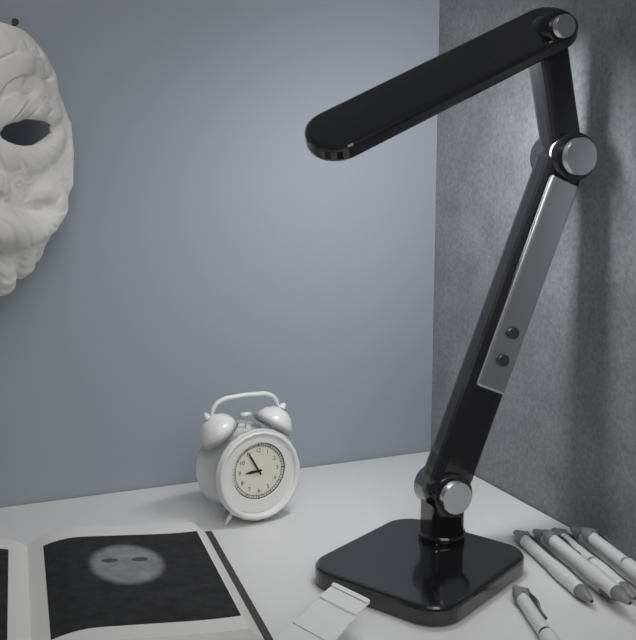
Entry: h=8 m=55
